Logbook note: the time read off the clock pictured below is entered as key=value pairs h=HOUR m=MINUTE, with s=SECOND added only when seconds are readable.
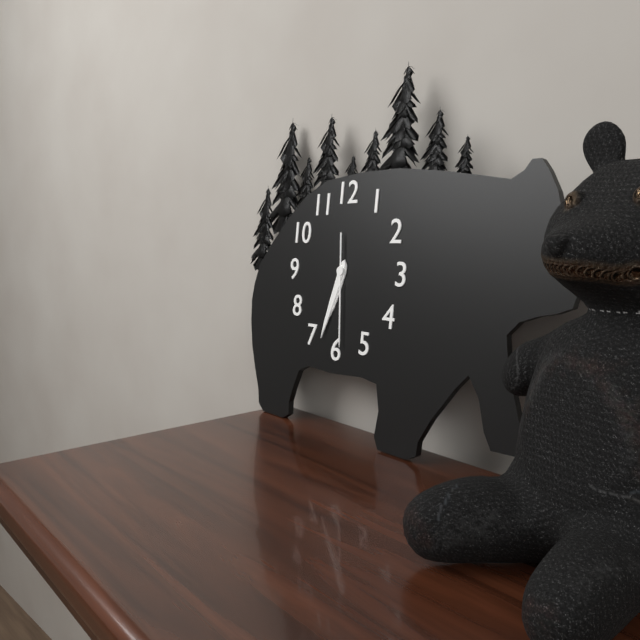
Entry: h=6 m=33 s=29
